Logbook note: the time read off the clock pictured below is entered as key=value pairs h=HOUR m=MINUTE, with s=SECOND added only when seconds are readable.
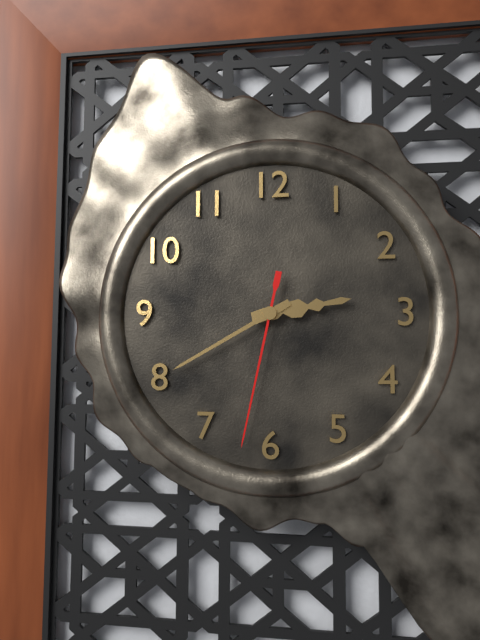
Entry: h=2 m=40 s=32
